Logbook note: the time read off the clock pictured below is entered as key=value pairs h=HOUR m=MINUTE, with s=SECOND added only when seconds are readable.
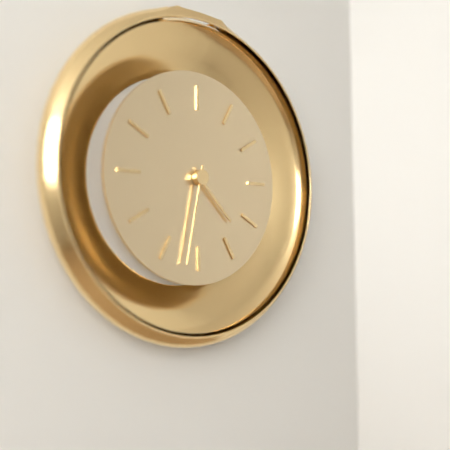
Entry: h=4 m=32
